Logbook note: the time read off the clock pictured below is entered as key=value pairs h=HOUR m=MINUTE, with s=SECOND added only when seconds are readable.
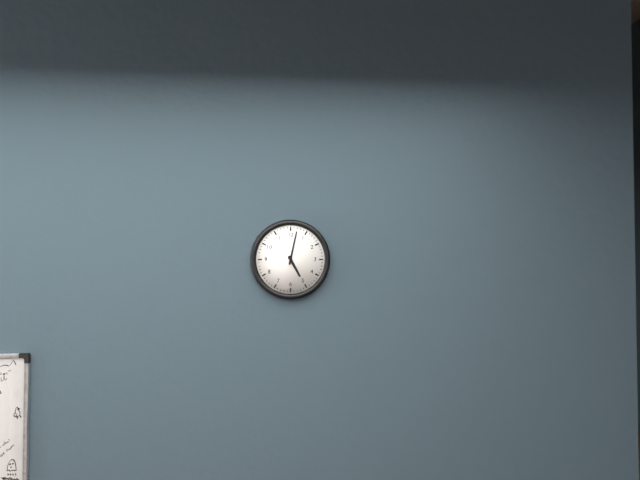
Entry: h=5 m=2
